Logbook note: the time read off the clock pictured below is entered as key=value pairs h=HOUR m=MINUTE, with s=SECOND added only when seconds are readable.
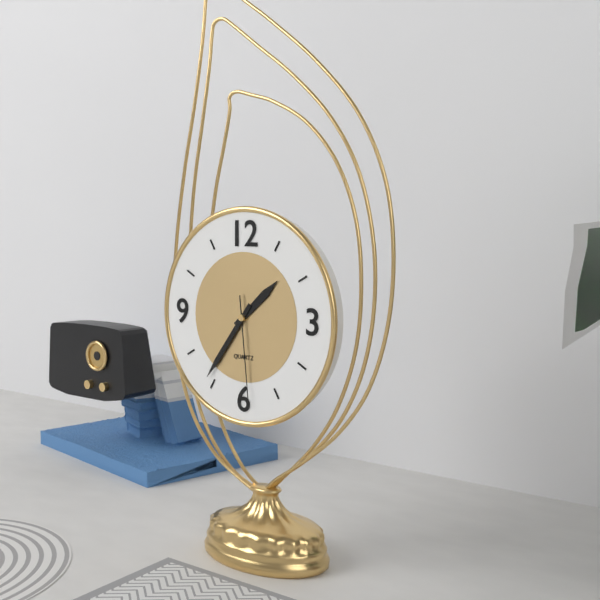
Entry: h=1 m=36 s=29
